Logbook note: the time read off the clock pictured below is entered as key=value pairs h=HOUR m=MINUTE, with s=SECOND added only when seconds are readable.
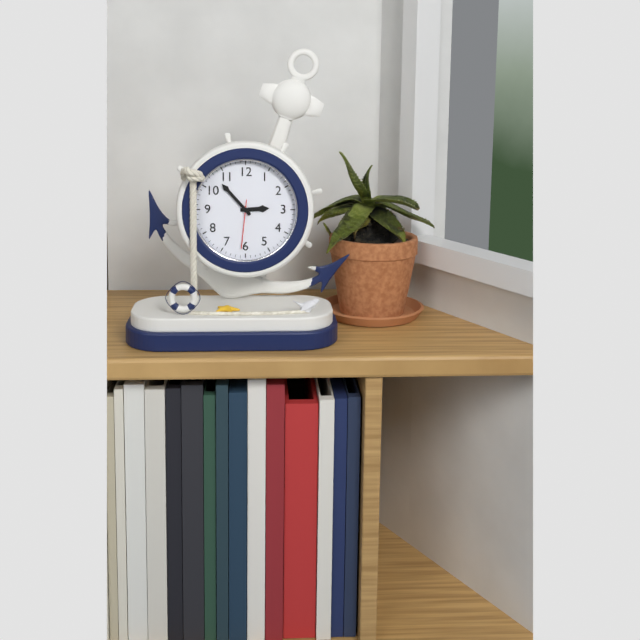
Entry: h=2 m=53
